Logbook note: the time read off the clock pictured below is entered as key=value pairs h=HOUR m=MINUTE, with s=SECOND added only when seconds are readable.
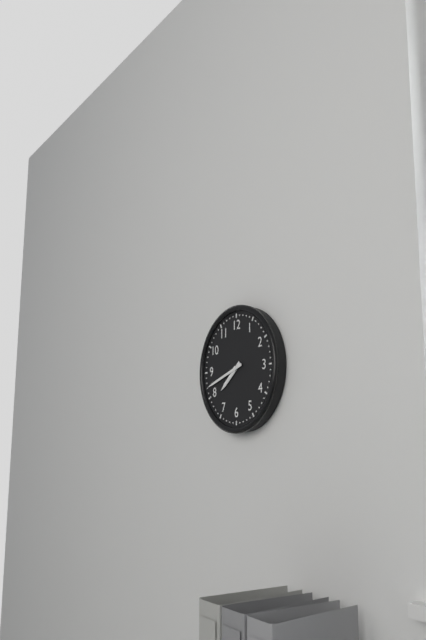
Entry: h=7 m=42
